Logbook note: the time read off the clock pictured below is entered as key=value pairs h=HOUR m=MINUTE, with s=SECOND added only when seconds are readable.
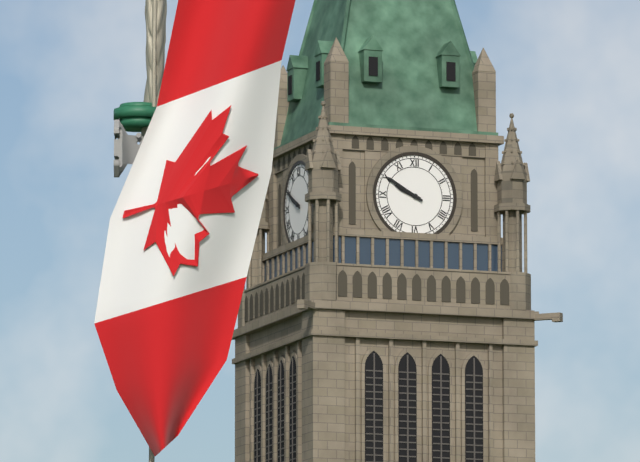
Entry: h=9 m=50
